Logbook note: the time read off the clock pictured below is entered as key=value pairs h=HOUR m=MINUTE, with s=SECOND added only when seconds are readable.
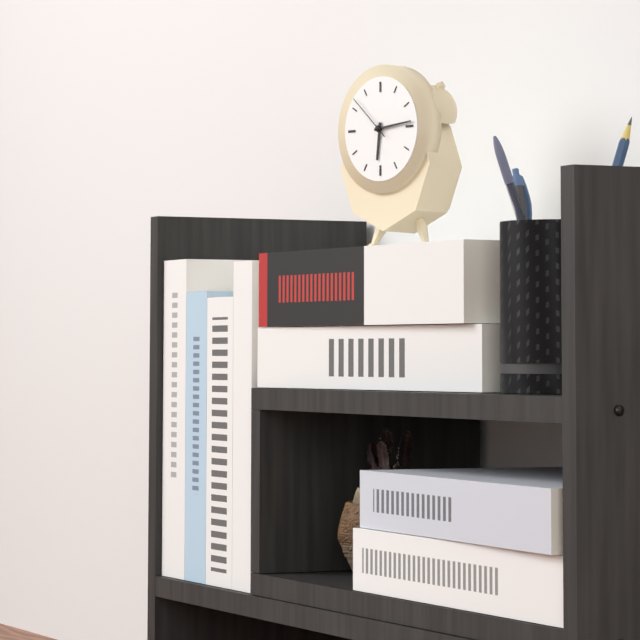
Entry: h=6 m=14 s=52
